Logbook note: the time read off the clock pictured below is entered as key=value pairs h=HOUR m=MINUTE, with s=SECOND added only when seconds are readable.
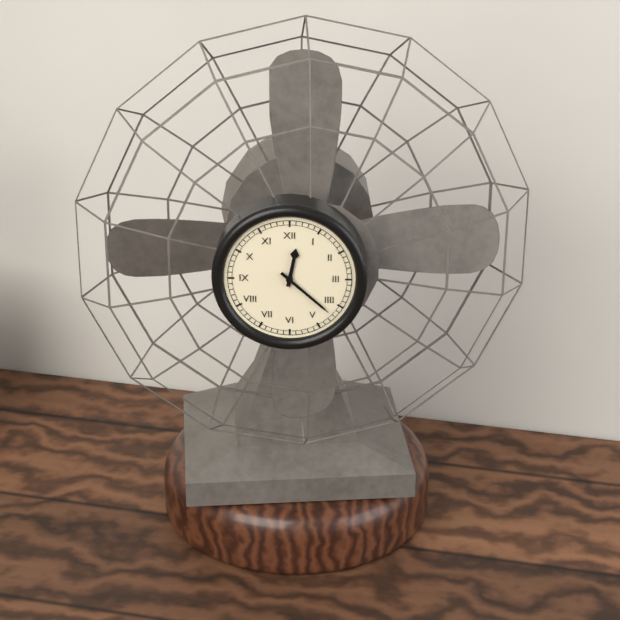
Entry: h=12 m=22
